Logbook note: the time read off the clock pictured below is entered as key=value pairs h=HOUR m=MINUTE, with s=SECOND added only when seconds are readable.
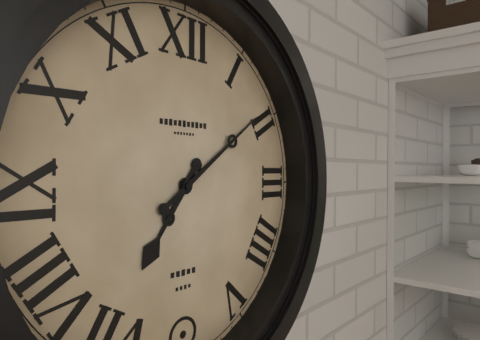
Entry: h=7 m=9
